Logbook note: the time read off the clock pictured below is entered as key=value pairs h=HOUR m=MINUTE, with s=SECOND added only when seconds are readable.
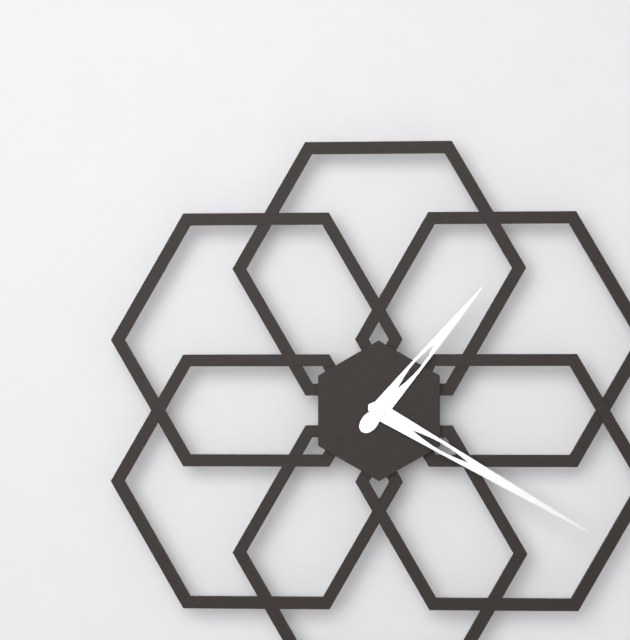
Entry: h=1 m=20
